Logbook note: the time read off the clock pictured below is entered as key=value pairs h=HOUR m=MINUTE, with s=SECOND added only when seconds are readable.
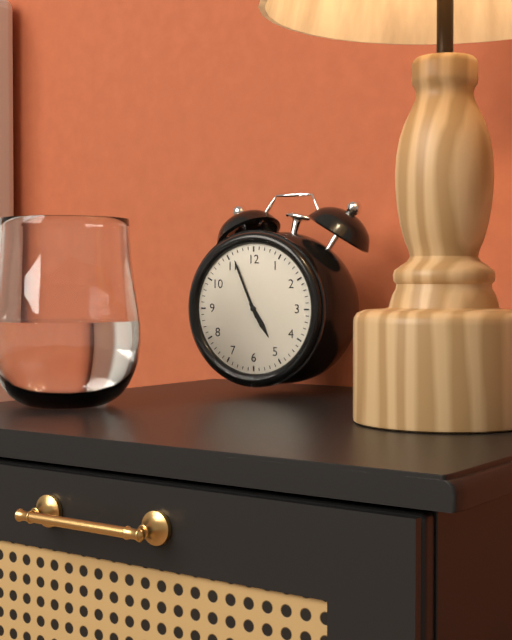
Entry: h=4 m=56
